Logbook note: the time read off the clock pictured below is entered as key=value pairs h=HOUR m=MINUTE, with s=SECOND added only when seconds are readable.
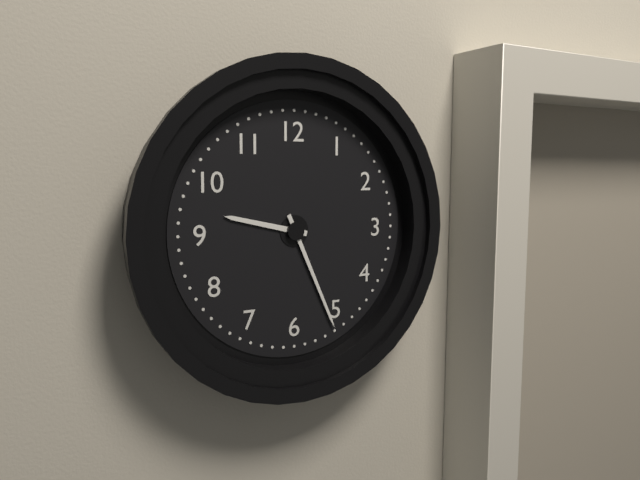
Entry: h=9 m=26
